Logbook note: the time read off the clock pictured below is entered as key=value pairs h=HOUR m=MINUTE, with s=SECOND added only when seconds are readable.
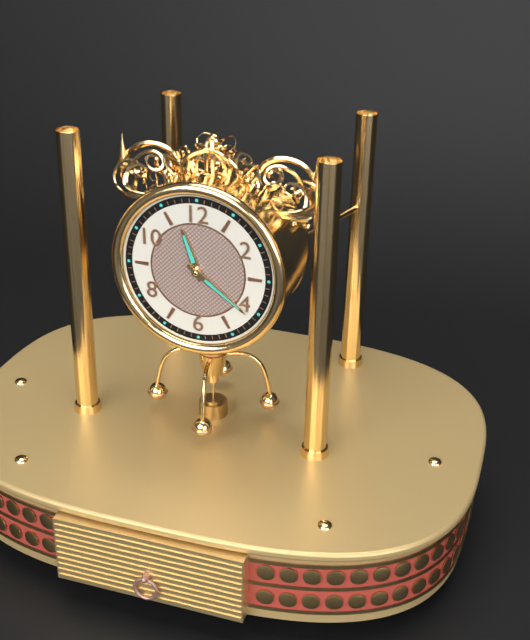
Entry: h=11 m=21
